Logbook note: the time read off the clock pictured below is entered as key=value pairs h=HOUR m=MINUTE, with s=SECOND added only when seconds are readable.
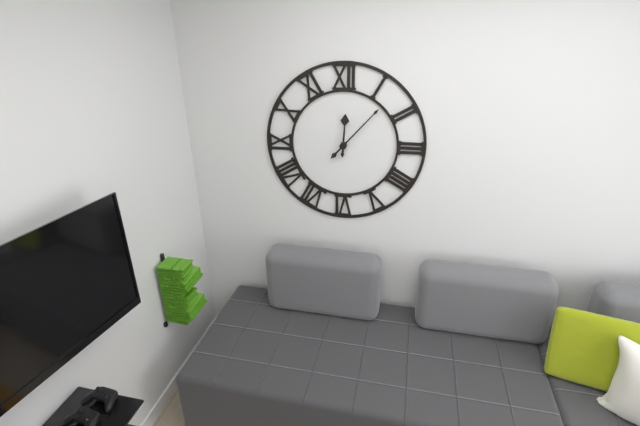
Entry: h=12 m=7
